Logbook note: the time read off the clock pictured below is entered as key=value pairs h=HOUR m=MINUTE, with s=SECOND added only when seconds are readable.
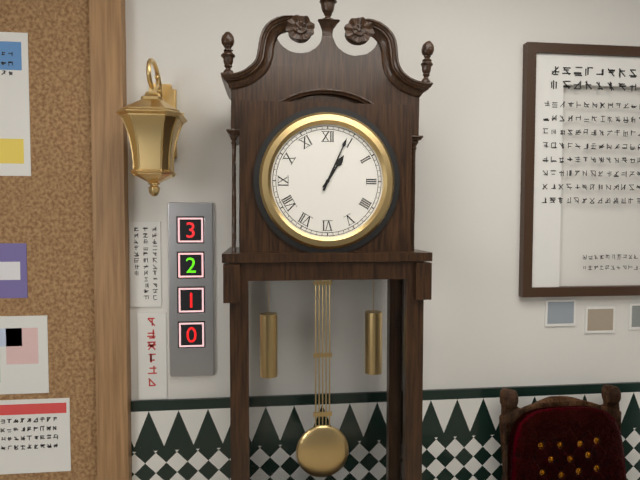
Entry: h=1 m=4
